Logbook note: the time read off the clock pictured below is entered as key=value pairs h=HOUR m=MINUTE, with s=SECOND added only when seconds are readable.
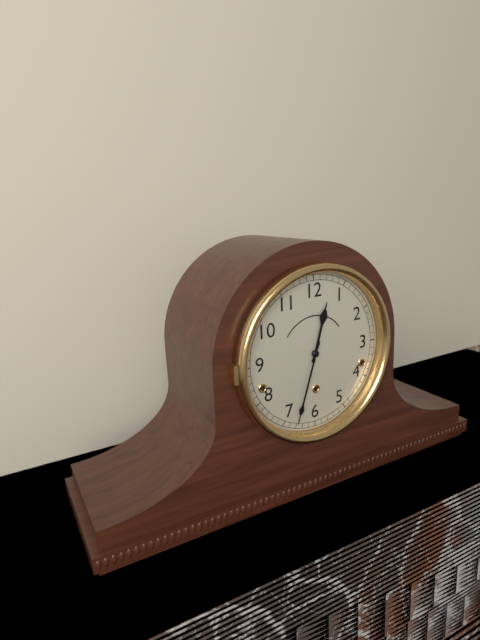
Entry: h=12 m=33
